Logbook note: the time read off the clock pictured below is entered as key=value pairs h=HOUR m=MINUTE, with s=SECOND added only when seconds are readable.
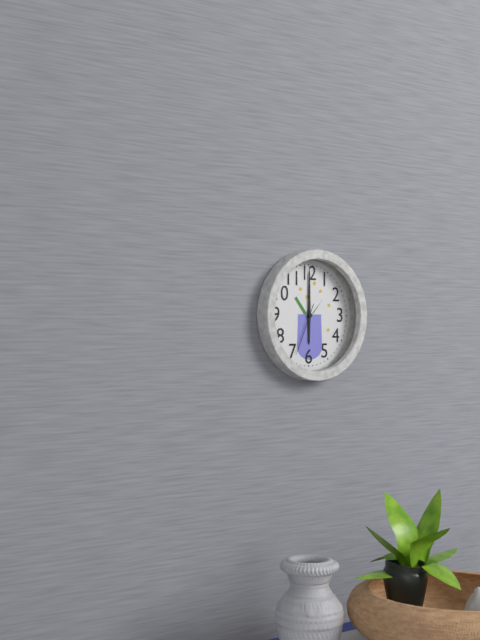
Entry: h=6 m=0 s=34
